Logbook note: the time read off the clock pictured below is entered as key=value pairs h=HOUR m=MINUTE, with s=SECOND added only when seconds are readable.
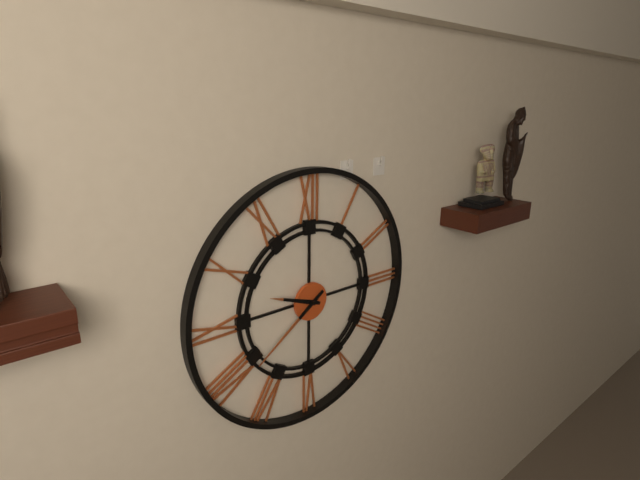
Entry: h=9 m=39
